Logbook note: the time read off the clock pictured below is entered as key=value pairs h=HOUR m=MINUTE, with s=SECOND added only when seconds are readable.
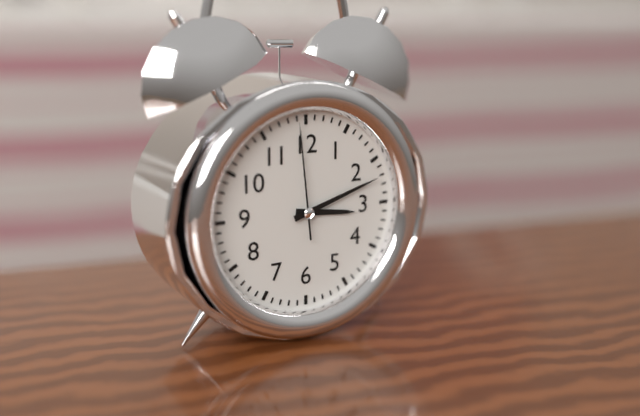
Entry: h=3 m=12 s=59
